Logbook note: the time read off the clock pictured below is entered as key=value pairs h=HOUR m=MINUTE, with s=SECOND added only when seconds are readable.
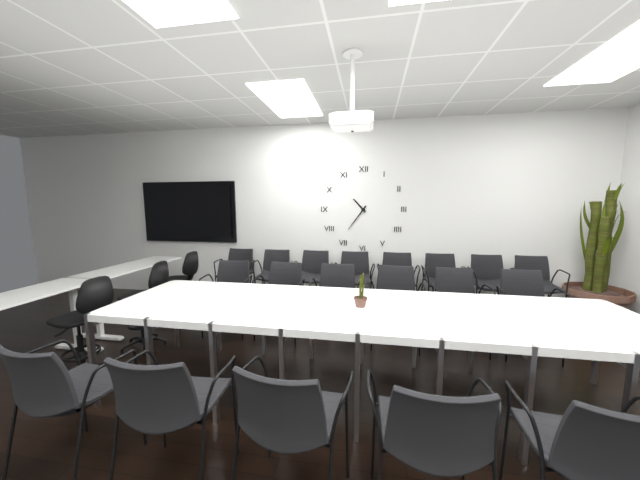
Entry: h=10 m=36
